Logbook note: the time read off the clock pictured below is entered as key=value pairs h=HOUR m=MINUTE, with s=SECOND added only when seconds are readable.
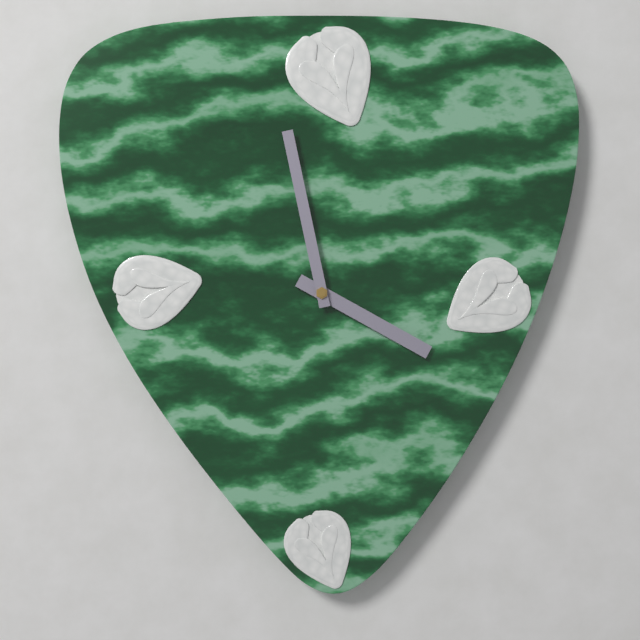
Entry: h=3 m=58
